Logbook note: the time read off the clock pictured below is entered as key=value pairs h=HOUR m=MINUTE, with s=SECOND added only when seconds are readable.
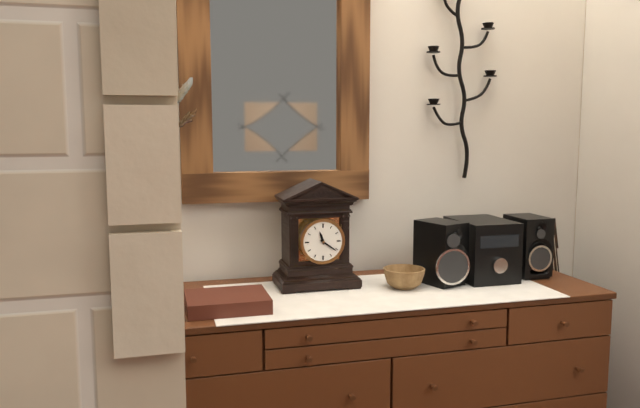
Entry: h=11 m=21
